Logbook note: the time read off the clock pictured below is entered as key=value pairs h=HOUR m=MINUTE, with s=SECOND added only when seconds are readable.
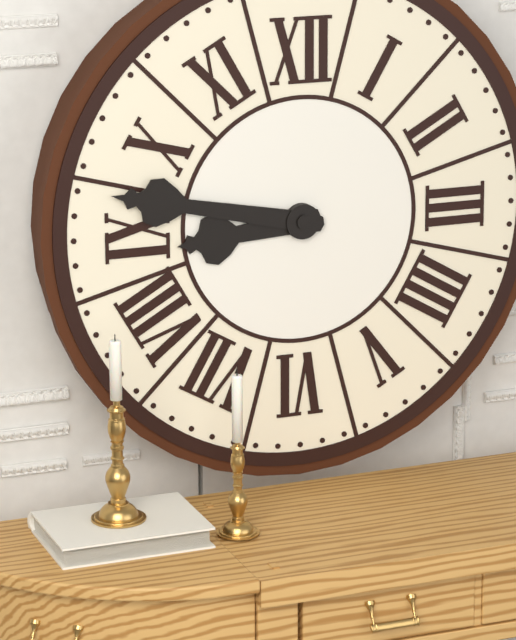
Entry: h=8 m=47
